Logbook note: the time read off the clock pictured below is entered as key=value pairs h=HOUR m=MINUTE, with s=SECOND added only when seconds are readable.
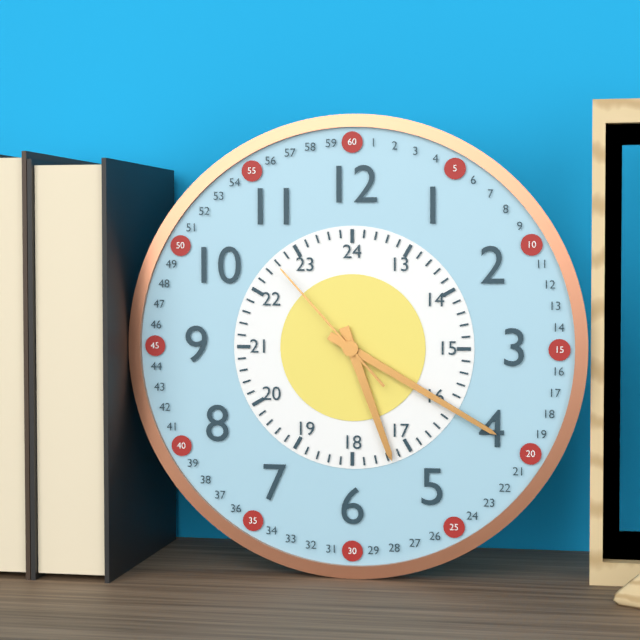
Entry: h=5 m=20 s=53
